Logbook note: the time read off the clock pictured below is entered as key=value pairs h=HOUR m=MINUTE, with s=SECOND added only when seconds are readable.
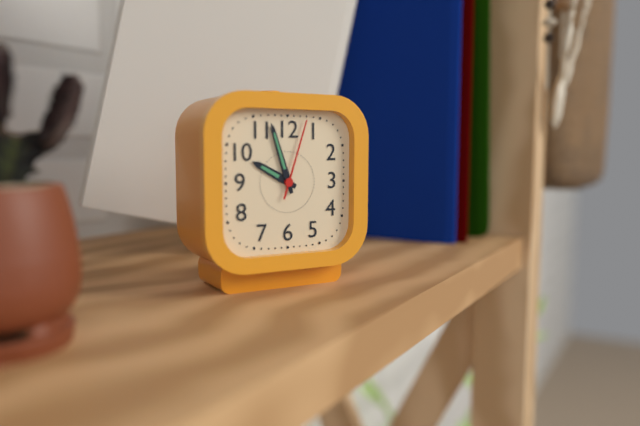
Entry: h=9 m=57 s=3
